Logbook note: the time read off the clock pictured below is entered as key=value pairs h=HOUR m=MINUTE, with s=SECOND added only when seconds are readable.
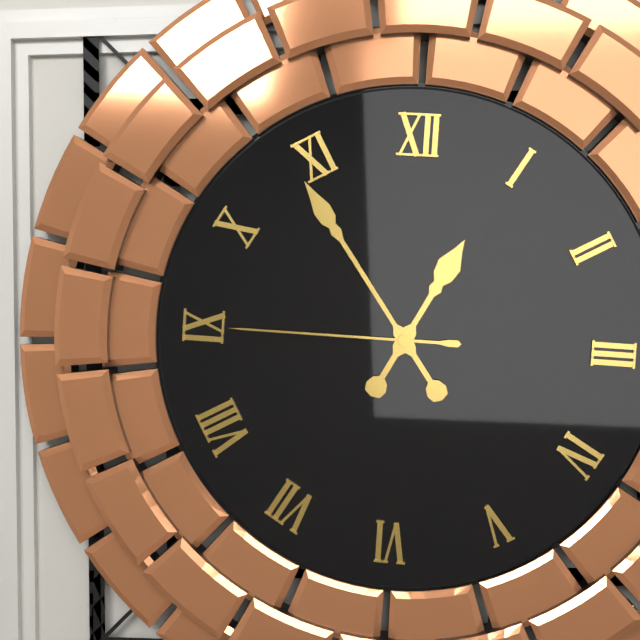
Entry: h=12 m=54 s=45
